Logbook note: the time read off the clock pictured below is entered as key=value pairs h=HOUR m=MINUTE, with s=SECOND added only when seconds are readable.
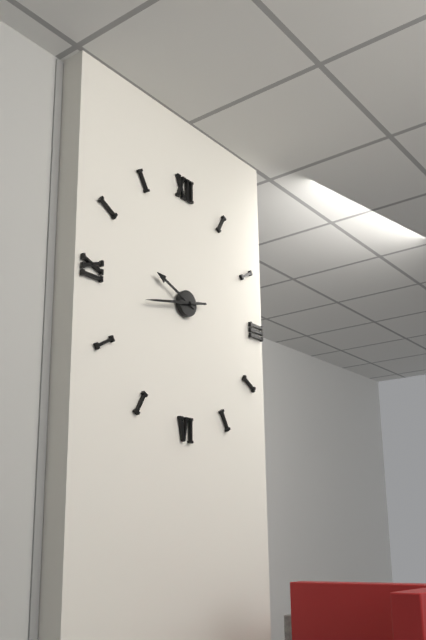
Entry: h=9 m=43
